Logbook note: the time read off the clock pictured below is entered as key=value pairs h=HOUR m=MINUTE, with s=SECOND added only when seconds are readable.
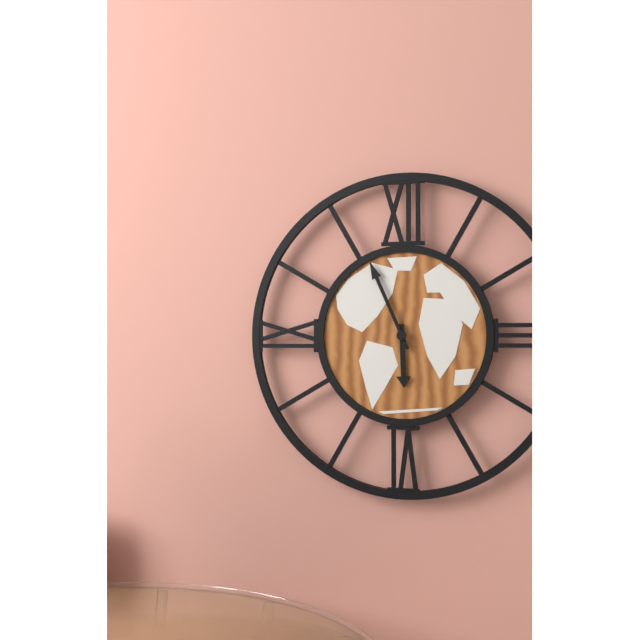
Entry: h=5 m=56
